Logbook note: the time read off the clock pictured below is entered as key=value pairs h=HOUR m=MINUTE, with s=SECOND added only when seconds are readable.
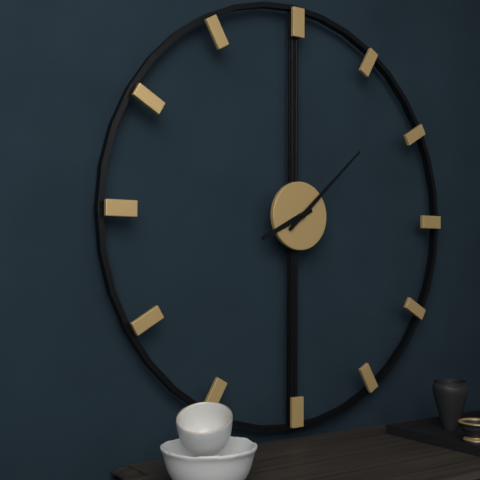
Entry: h=8 m=8
